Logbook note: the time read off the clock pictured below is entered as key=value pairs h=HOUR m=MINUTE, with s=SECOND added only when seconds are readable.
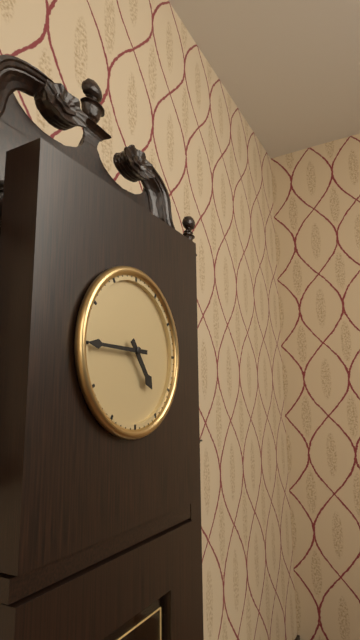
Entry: h=4 m=45
